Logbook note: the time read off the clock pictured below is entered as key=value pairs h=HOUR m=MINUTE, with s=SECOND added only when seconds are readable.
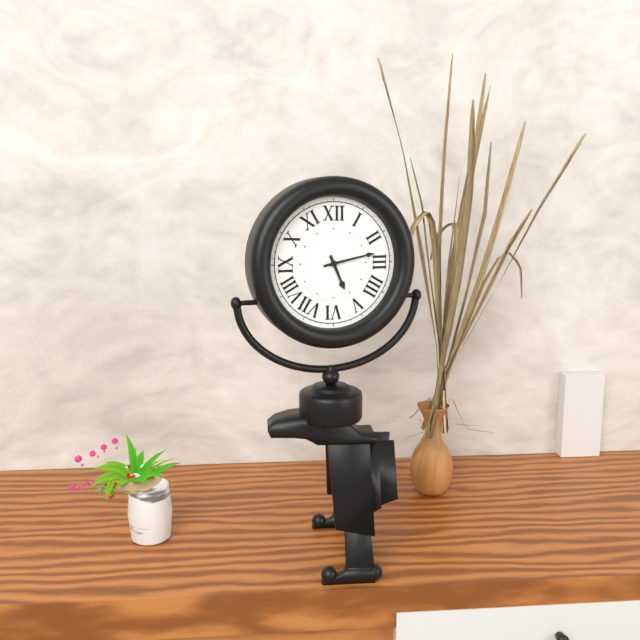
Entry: h=5 m=13
